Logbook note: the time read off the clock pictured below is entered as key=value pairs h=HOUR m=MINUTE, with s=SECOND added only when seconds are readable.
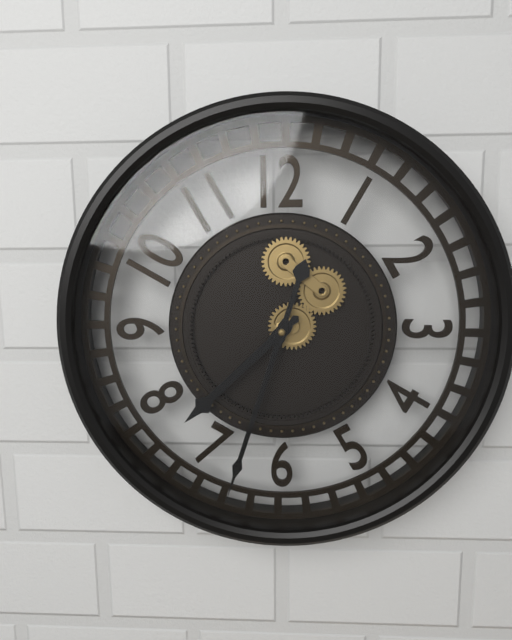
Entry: h=7 m=33
